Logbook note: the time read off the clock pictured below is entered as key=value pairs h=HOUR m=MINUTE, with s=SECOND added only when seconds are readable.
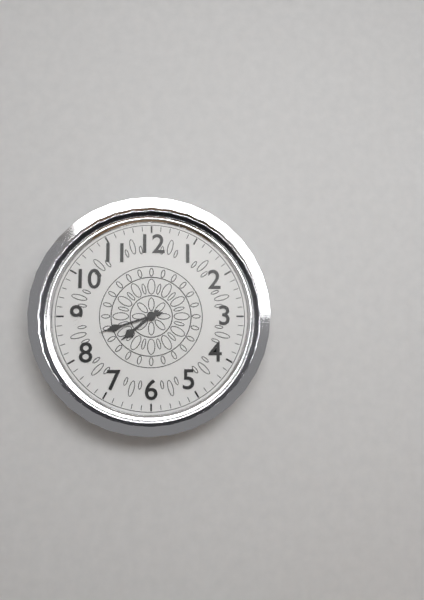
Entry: h=7 m=42
